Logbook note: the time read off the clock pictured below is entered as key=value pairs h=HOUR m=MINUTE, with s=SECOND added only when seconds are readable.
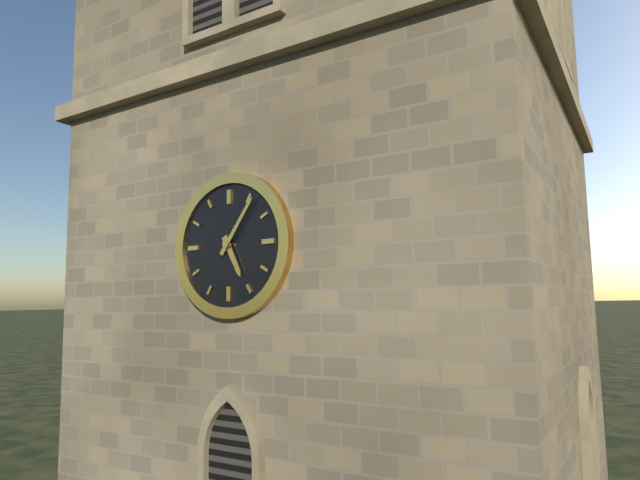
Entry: h=5 m=6
